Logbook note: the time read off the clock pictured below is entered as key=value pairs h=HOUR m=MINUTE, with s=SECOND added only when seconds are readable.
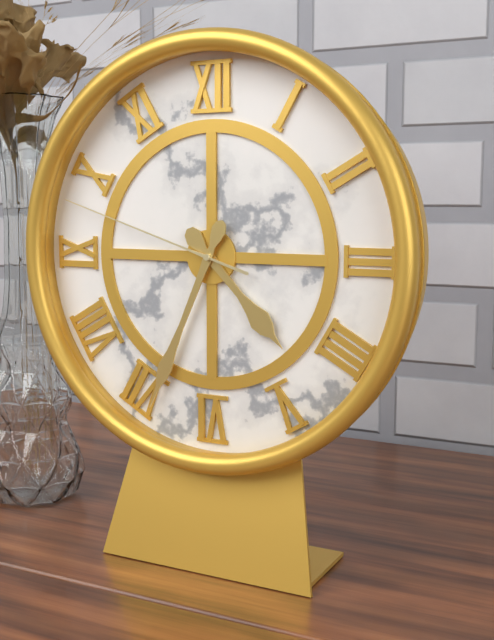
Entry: h=4 m=34 s=48
